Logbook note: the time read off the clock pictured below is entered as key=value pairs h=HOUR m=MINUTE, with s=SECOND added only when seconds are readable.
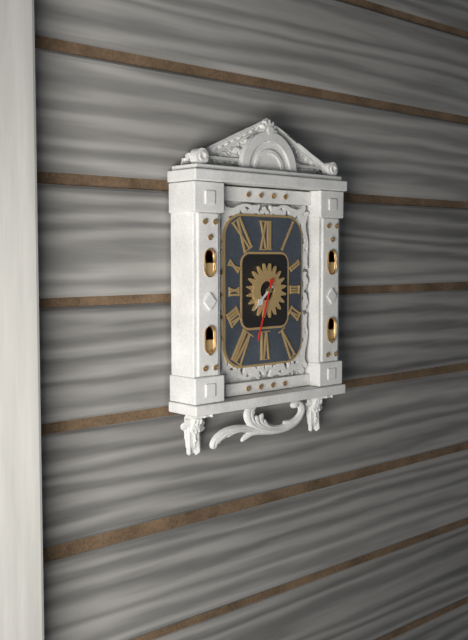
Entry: h=7 m=33
